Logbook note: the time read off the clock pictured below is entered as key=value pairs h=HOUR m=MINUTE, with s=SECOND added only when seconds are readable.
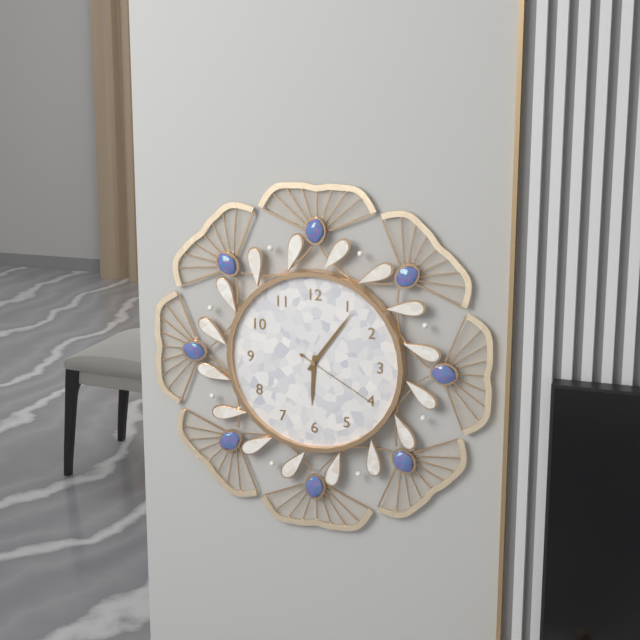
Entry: h=6 m=6 s=20
